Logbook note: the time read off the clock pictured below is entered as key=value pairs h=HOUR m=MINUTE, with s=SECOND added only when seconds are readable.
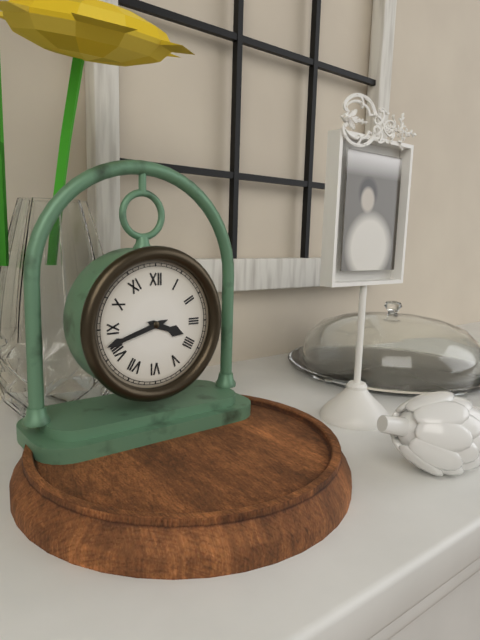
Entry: h=3 m=42
